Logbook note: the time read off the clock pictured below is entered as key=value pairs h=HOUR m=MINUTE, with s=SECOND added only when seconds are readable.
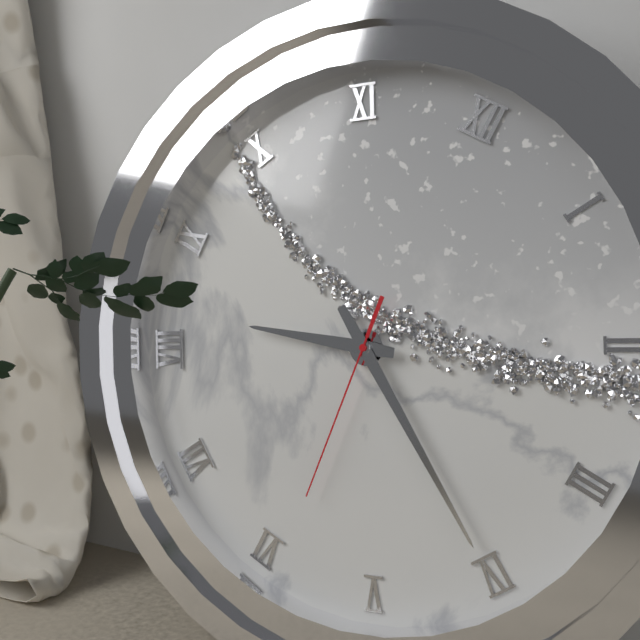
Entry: h=8 m=20 s=29
